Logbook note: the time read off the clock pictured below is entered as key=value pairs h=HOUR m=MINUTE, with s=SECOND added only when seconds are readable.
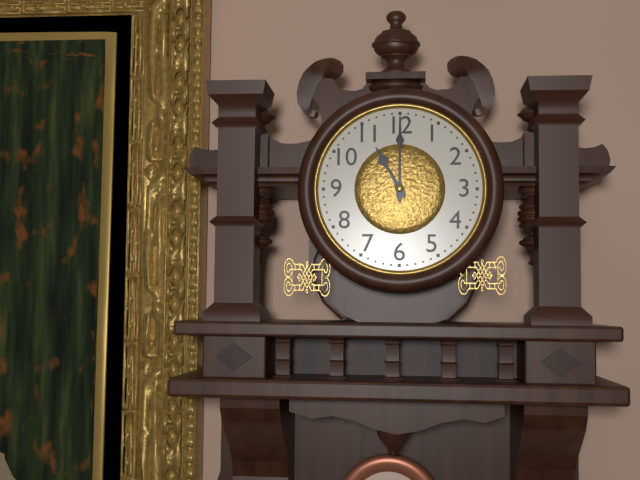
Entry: h=11 m=0
